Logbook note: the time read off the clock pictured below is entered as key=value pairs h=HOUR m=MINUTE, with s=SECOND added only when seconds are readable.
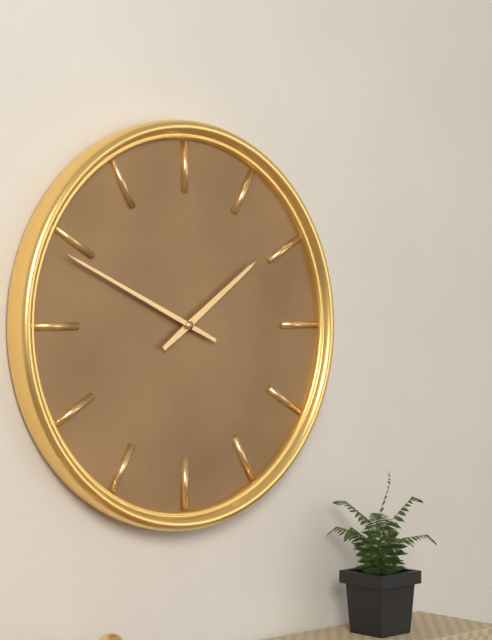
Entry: h=1 m=49
